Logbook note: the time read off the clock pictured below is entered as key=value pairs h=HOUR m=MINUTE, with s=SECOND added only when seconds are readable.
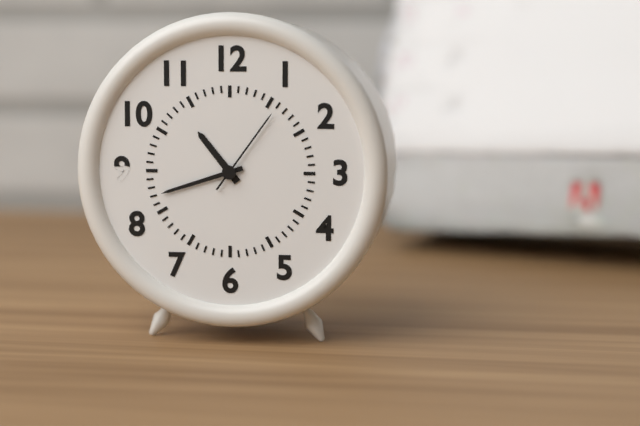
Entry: h=10 m=42 s=6
